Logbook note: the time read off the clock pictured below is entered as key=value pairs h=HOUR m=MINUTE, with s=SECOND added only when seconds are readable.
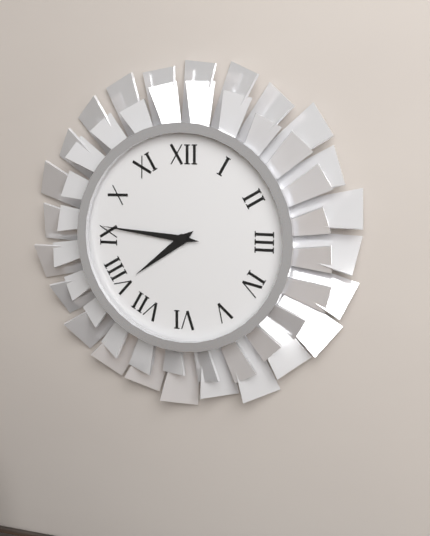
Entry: h=7 m=46
